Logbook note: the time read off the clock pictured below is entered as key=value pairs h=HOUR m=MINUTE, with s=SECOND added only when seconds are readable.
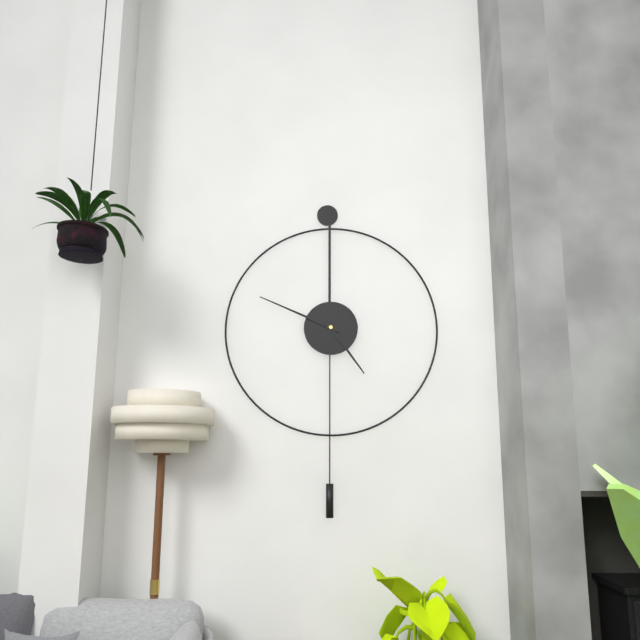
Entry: h=4 m=49
